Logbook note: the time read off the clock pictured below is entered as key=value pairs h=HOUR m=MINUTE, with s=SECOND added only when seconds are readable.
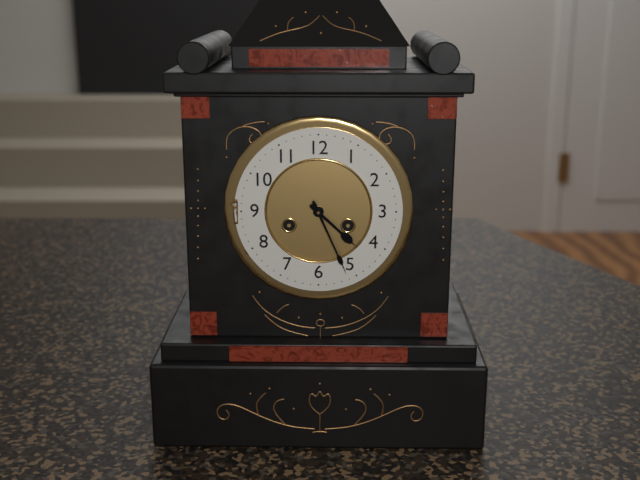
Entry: h=4 m=26
